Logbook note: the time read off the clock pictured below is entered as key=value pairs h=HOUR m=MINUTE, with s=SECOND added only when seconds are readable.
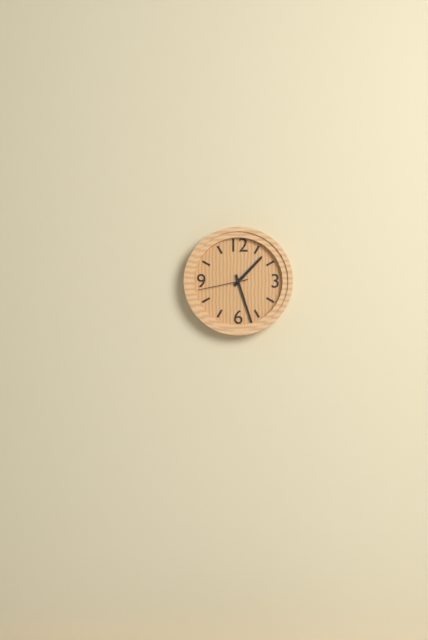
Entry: h=1 m=27 s=43
